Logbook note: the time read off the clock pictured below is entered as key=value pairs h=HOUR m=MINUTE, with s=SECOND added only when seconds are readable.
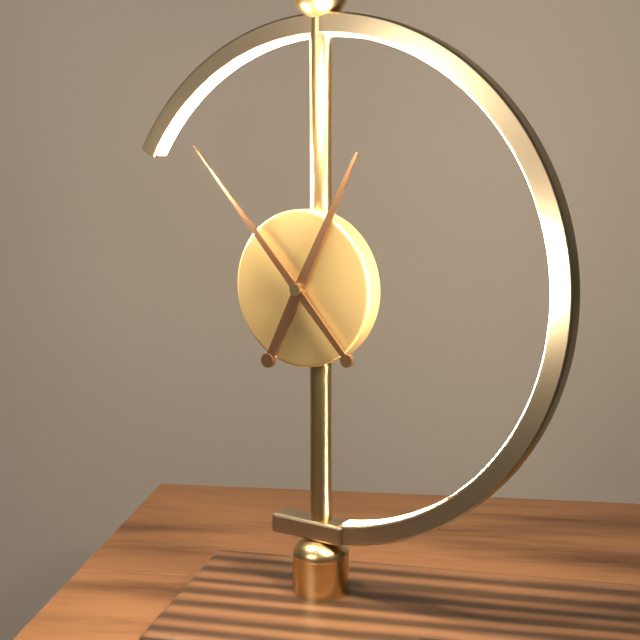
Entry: h=12 m=53
